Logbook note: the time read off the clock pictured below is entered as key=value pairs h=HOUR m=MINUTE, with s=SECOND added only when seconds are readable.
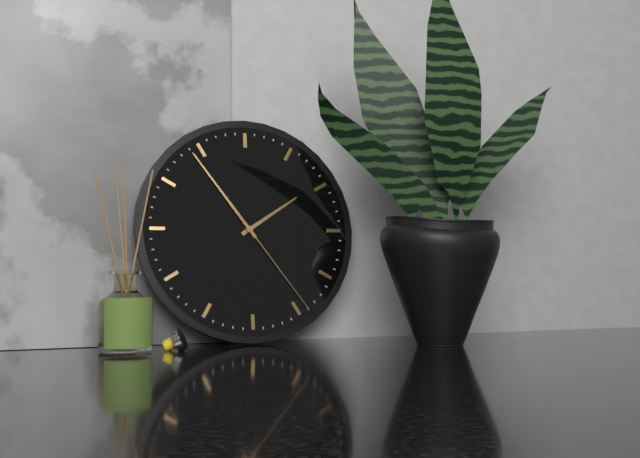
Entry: h=1 m=54 s=24
